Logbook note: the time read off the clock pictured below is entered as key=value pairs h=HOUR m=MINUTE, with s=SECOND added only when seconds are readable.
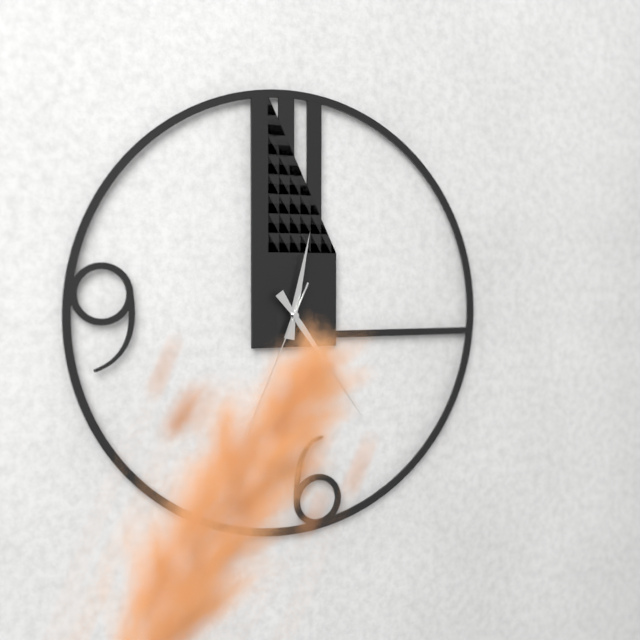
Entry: h=12 m=24 s=34
